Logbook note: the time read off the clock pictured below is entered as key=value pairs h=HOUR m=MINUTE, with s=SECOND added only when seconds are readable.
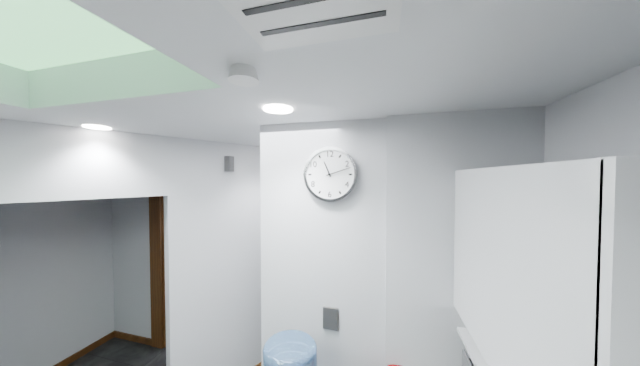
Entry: h=11 m=12
